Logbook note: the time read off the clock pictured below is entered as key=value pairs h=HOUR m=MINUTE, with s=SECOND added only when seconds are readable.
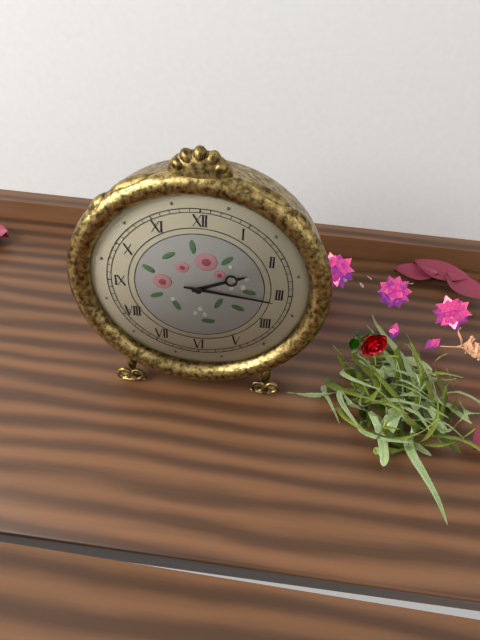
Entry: h=2 m=16
